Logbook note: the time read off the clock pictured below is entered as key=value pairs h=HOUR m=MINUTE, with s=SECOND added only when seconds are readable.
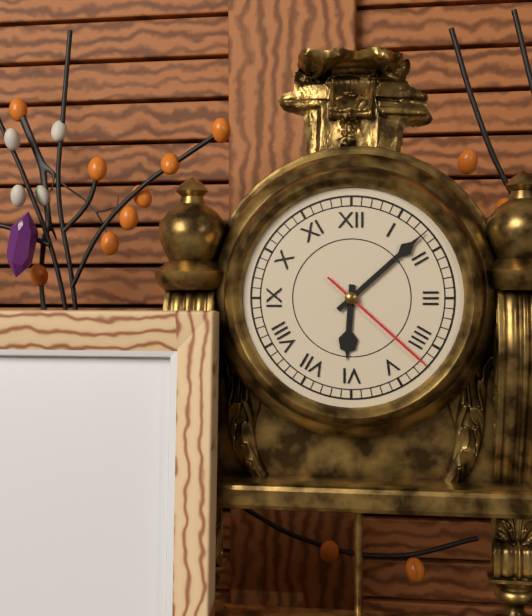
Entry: h=6 m=8 s=22
